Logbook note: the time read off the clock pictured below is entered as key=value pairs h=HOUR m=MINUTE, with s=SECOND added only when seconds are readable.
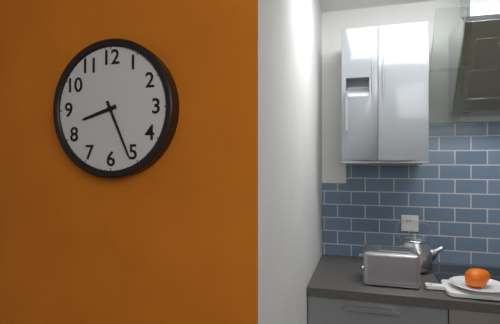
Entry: h=8 m=26
